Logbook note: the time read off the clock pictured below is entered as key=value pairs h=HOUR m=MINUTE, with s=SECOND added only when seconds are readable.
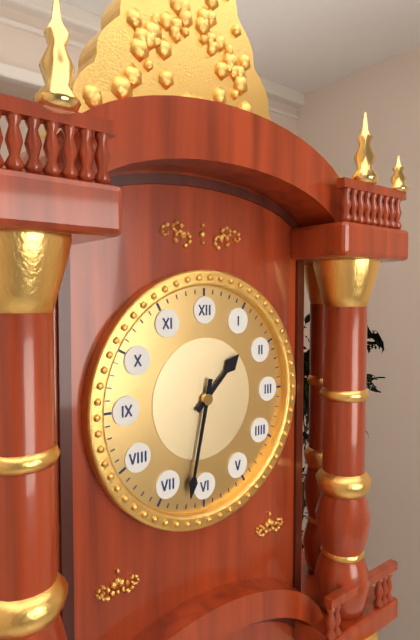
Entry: h=1 m=32
